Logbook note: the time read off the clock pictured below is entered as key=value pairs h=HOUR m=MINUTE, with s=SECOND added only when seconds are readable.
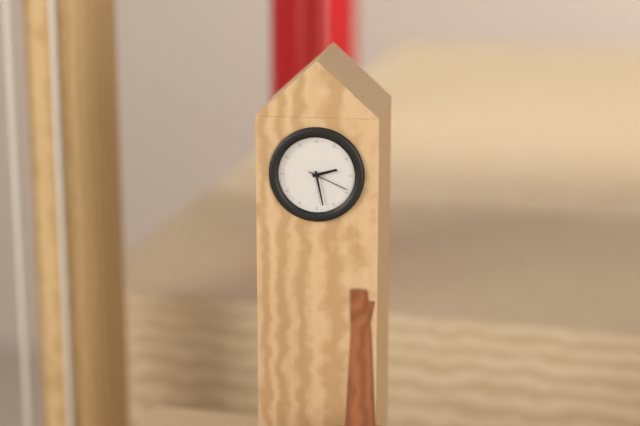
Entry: h=2 m=28
